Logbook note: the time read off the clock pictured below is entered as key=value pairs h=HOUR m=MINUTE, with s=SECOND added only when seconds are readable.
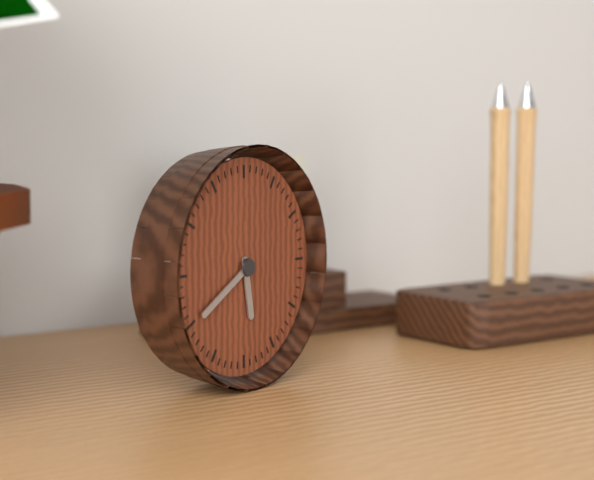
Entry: h=5 m=40
